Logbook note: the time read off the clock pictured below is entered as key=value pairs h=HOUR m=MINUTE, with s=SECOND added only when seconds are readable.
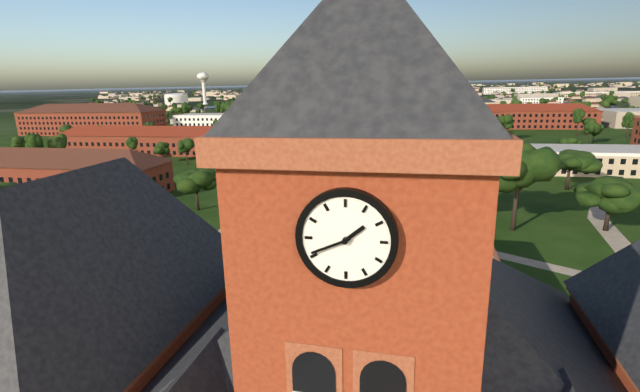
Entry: h=1 m=41
